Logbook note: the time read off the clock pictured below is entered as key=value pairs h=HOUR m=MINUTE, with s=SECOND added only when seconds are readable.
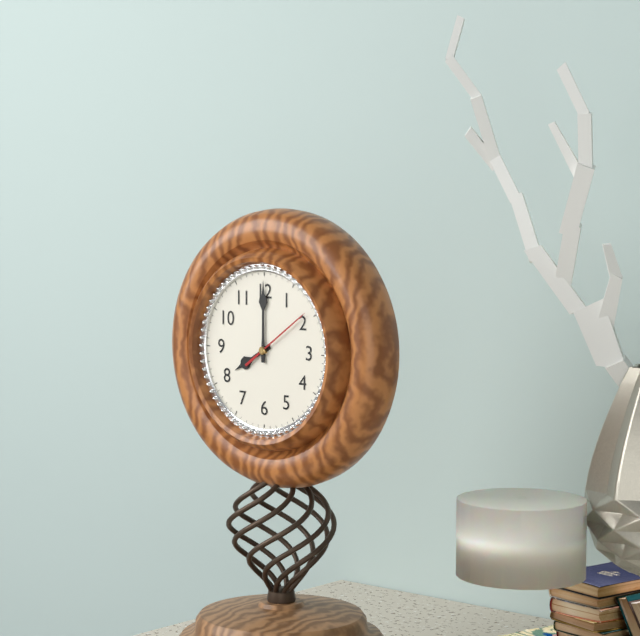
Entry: h=8 m=0 s=9
